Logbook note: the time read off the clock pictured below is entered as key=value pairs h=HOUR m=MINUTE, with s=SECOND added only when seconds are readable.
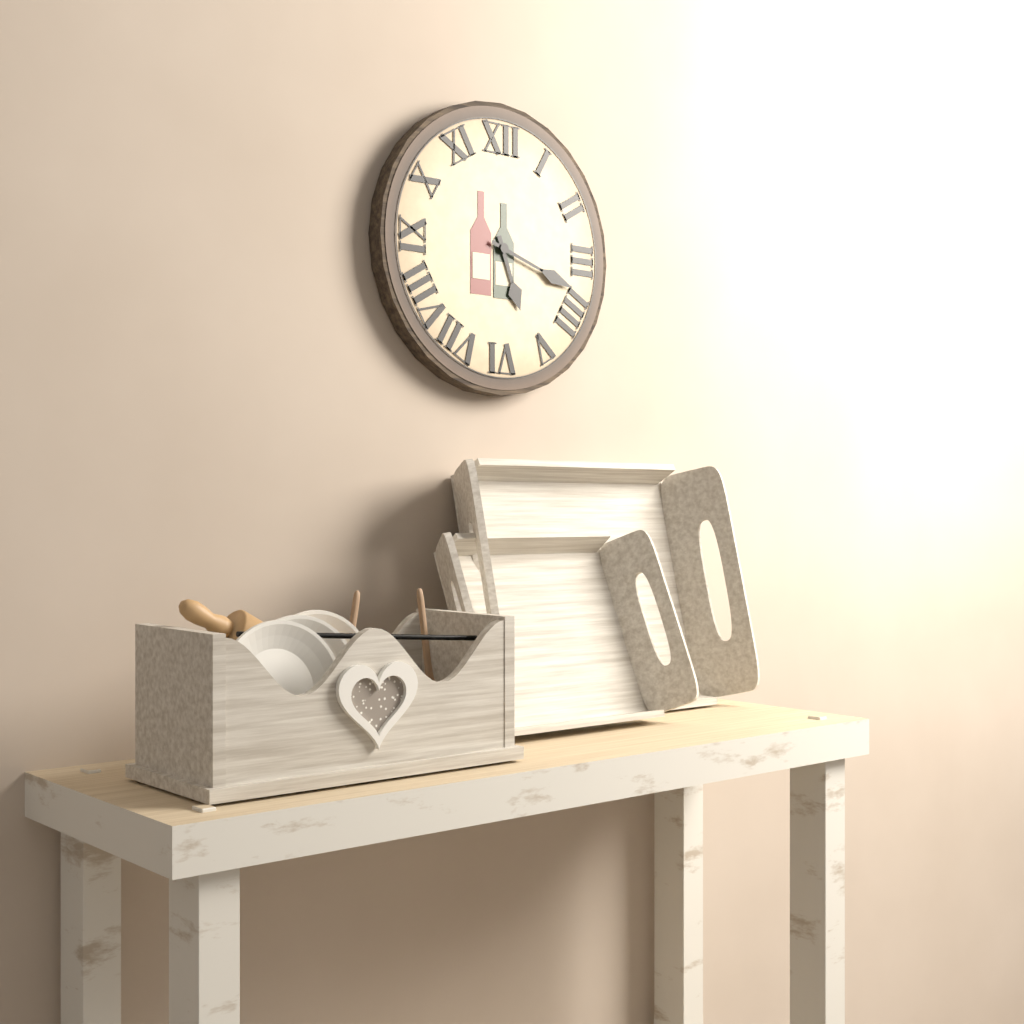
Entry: h=5 m=18
